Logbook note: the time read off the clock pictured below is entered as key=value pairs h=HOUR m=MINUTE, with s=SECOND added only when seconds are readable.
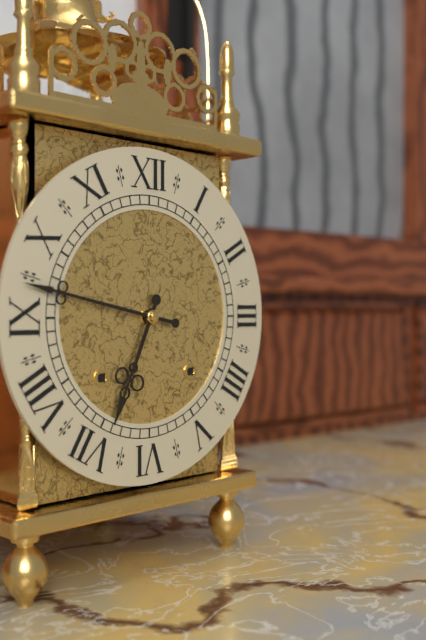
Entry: h=6 m=47
